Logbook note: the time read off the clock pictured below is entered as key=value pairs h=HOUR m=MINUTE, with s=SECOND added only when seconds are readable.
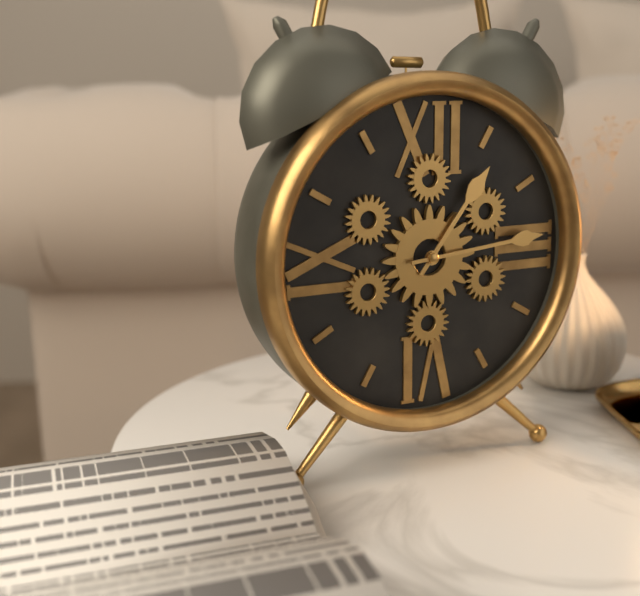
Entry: h=1 m=14
